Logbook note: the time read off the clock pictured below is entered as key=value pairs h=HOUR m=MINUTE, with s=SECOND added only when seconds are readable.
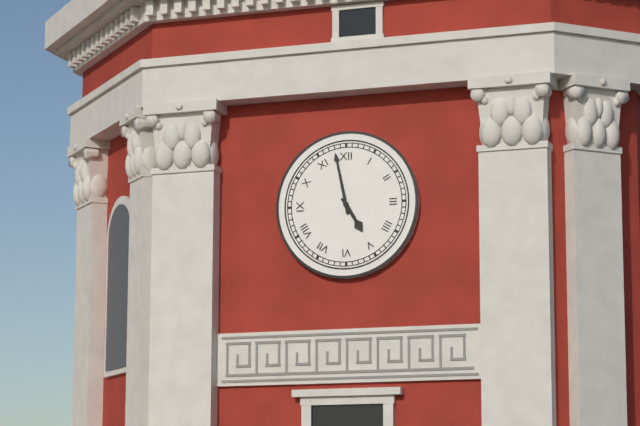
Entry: h=4 m=58
